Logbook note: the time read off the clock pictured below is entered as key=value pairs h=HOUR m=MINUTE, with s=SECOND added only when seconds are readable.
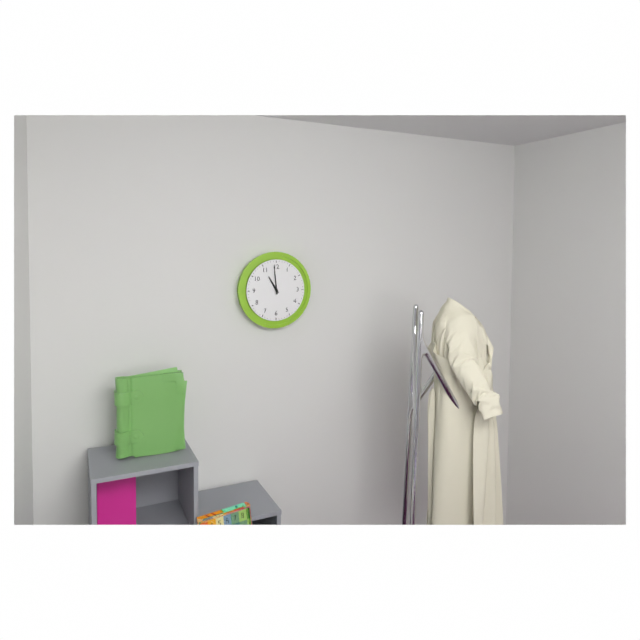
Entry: h=10 m=59
